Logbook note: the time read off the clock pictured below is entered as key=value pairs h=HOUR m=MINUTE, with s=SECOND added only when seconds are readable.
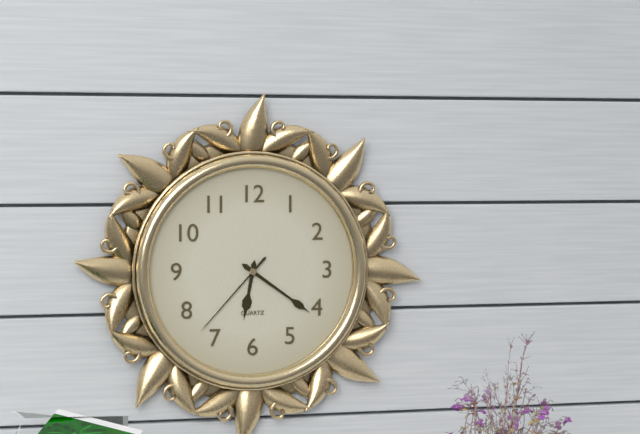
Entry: h=6 m=21 s=37
